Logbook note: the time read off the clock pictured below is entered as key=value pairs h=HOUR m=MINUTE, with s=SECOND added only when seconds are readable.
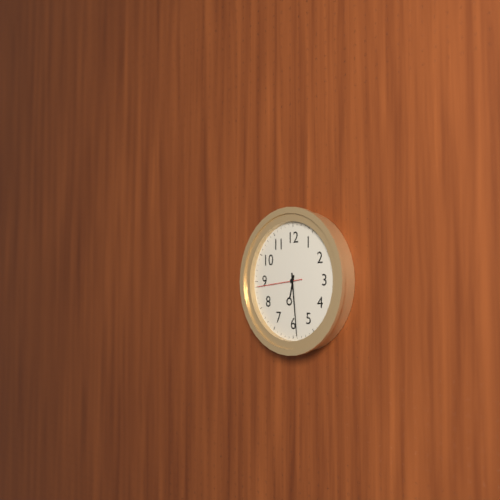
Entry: h=6 m=29
